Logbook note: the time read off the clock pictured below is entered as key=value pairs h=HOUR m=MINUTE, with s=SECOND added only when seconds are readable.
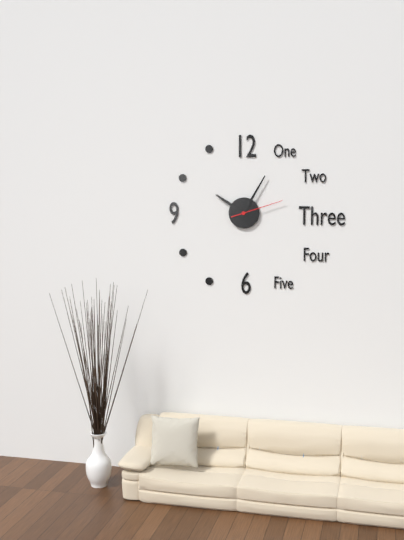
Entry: h=10 m=5 s=12
